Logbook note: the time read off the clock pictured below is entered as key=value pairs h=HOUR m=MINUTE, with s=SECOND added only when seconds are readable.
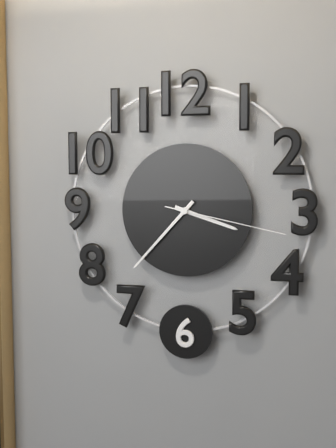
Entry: h=3 m=37 s=17
